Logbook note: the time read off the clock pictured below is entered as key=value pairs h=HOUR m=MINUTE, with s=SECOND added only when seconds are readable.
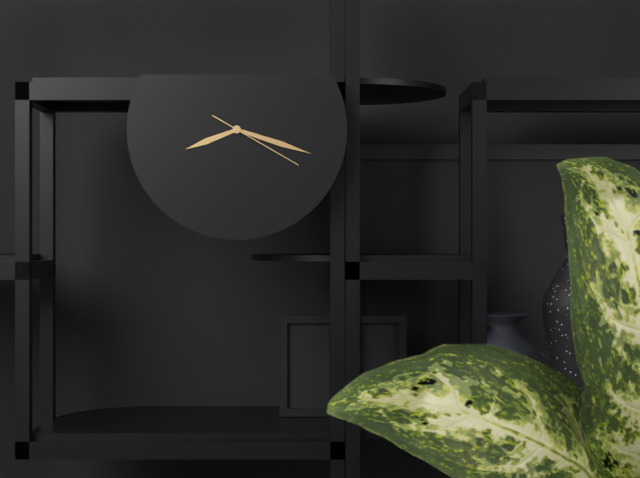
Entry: h=8 m=18 s=20
